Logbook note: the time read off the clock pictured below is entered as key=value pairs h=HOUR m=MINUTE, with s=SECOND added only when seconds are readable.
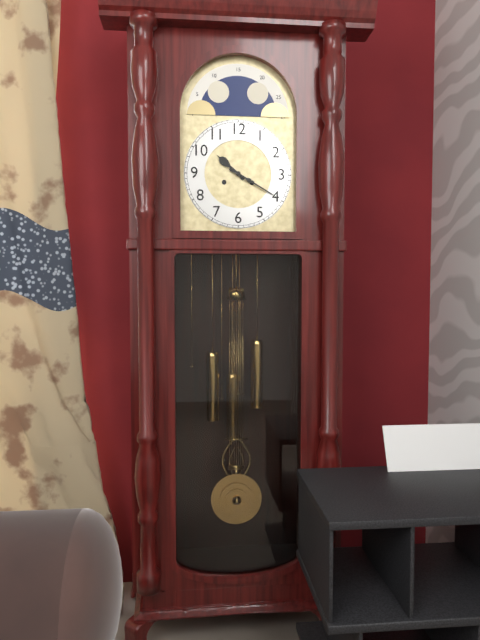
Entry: h=10 m=20
